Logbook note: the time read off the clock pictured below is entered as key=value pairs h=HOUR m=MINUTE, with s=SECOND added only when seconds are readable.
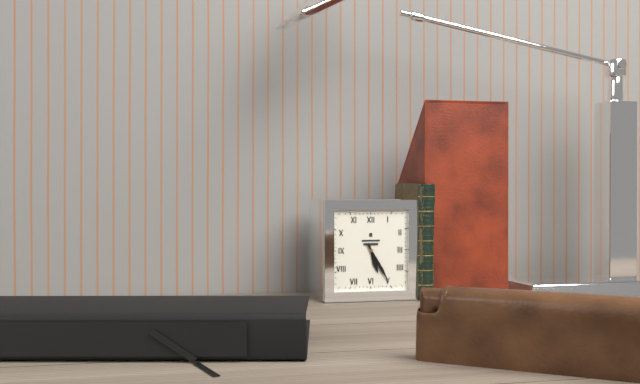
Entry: h=5 m=25
